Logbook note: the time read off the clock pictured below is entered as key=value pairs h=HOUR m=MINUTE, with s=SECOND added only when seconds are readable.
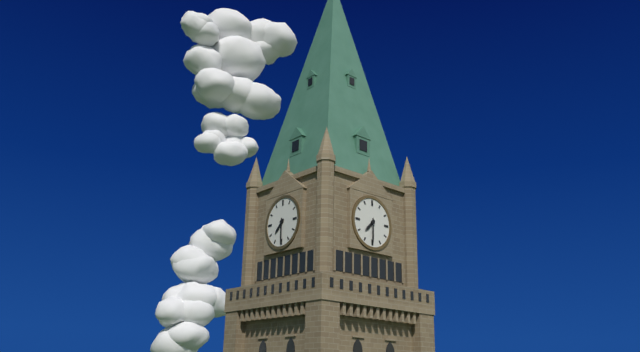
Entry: h=7 m=30
